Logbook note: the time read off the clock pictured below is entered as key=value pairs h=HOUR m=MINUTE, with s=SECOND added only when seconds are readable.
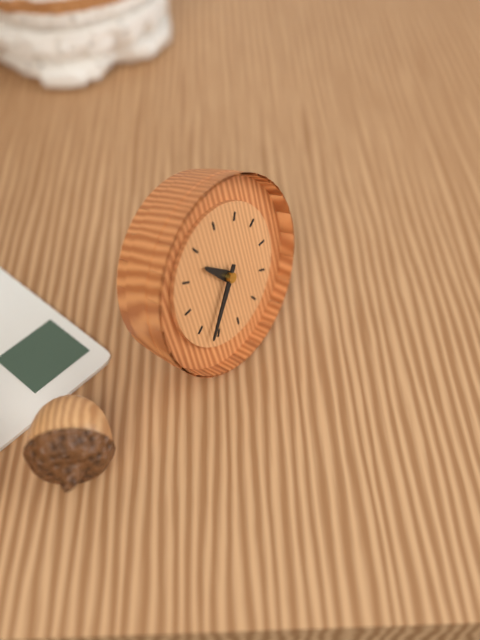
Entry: h=10 m=37
